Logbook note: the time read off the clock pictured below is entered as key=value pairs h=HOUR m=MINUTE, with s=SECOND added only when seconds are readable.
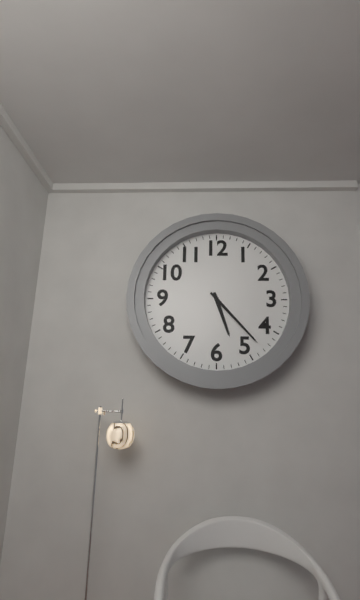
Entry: h=5 m=23
